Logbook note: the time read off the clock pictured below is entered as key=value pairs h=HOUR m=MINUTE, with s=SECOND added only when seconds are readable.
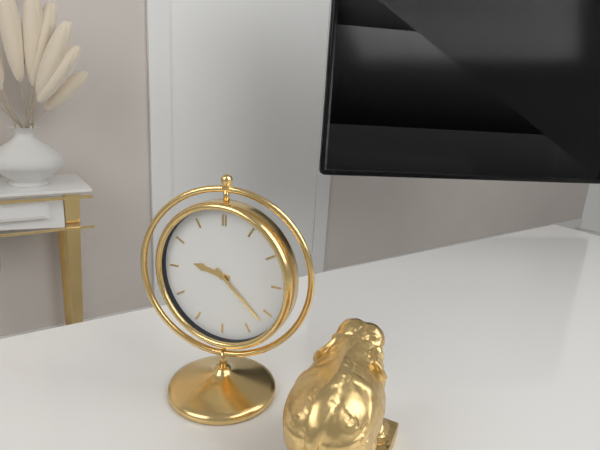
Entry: h=9 m=22
